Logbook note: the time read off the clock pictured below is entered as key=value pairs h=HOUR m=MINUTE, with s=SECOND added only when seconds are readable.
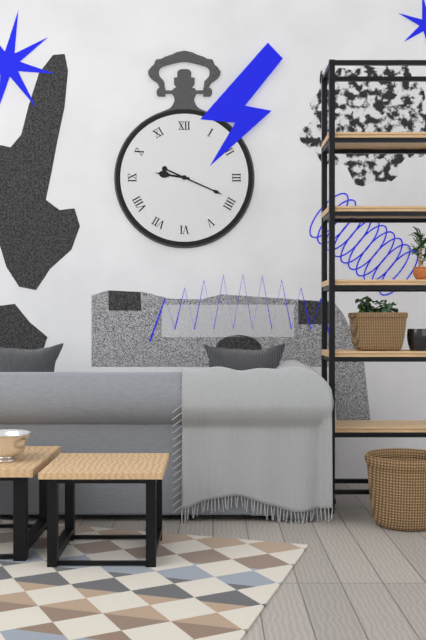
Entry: h=9 m=19
